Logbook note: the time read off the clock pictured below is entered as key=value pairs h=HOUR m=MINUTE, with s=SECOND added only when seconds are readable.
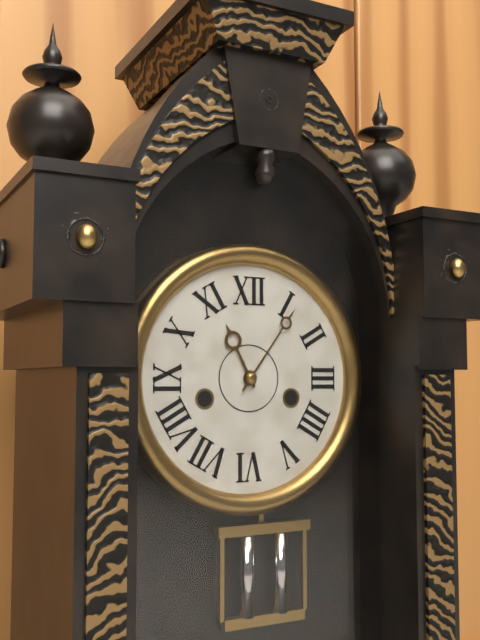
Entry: h=11 m=6
